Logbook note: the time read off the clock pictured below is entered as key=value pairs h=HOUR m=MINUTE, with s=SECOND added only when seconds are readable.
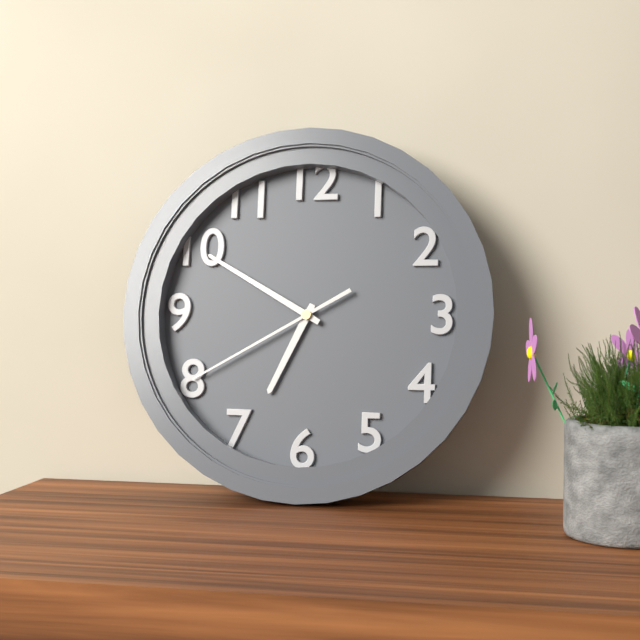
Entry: h=6 m=50 s=40
